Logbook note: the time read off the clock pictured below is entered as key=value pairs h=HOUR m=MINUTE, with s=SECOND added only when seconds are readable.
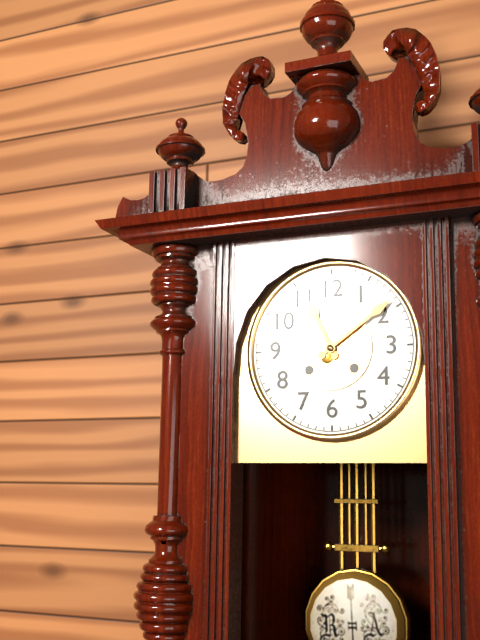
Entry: h=11 m=9
